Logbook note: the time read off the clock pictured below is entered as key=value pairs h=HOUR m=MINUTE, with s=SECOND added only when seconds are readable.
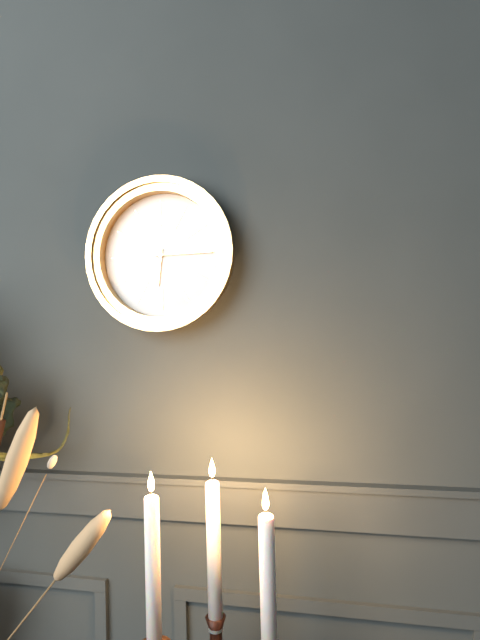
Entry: h=6 m=15
